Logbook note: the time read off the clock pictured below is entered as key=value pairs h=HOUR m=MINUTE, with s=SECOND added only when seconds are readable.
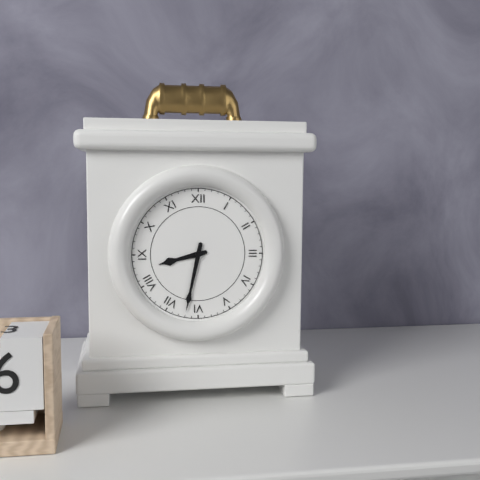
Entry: h=8 m=32
